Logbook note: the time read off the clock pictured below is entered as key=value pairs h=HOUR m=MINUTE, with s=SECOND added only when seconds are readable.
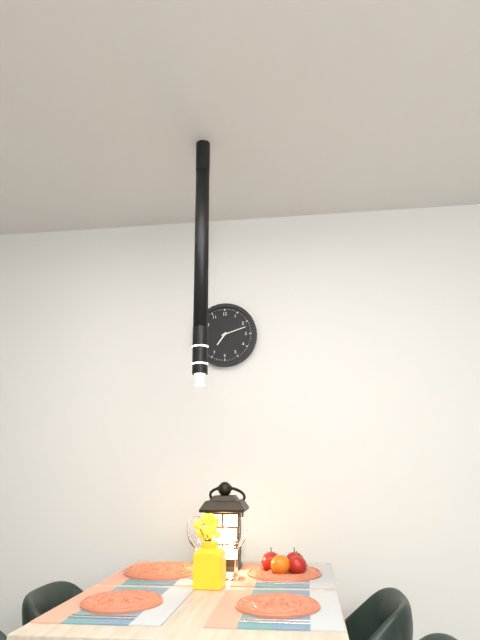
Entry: h=7 m=12
